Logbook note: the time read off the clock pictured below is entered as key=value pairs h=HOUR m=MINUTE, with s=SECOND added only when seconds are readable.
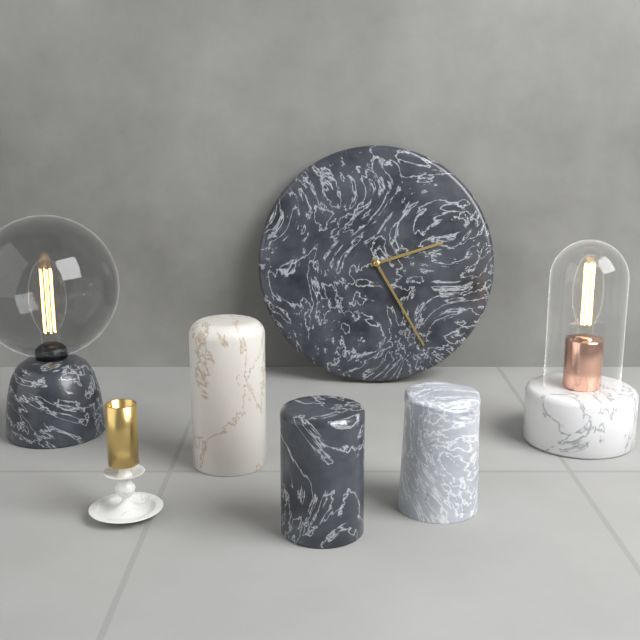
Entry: h=2 m=25
